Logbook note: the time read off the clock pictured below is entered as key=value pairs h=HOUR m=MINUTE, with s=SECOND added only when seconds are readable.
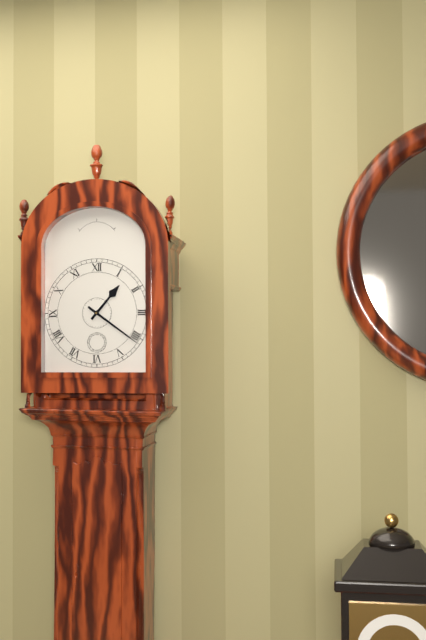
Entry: h=1 m=21
